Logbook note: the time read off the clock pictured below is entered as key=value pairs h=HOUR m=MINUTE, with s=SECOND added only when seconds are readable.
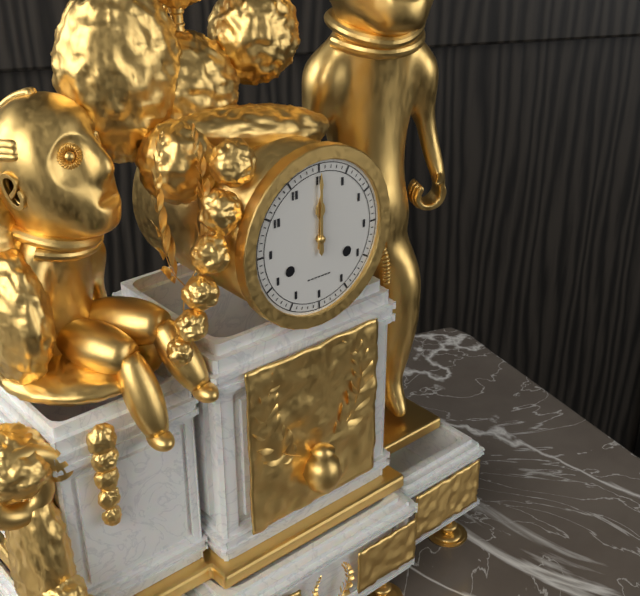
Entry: h=12 m=0
